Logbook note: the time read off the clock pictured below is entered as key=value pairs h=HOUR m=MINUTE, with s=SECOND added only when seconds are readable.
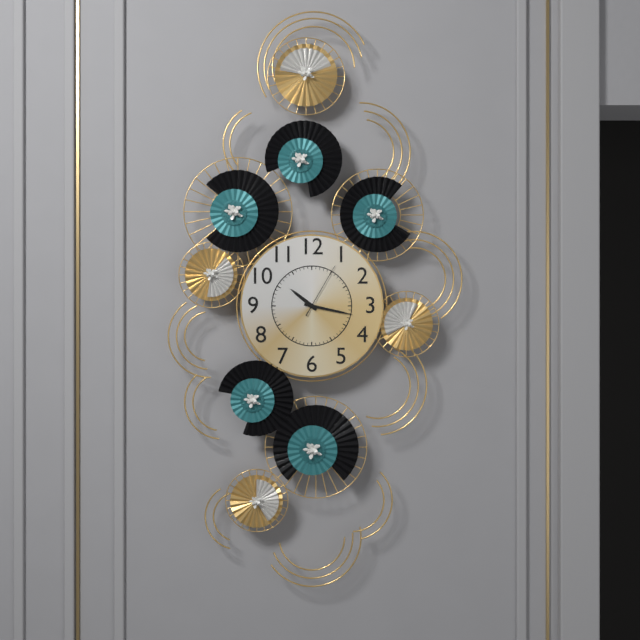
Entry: h=10 m=17 s=5
